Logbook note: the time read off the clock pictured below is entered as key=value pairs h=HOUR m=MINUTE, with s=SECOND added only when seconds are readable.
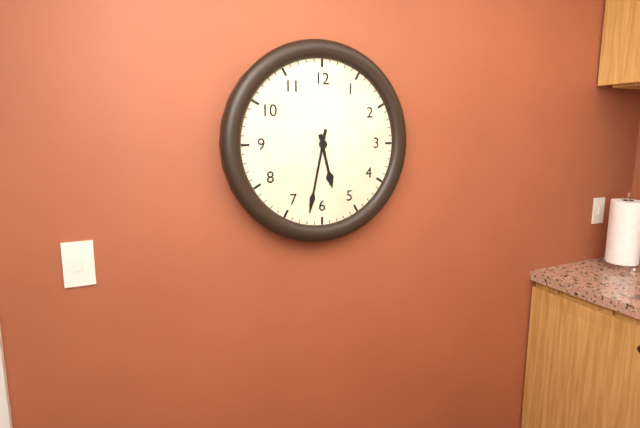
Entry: h=5 m=32
